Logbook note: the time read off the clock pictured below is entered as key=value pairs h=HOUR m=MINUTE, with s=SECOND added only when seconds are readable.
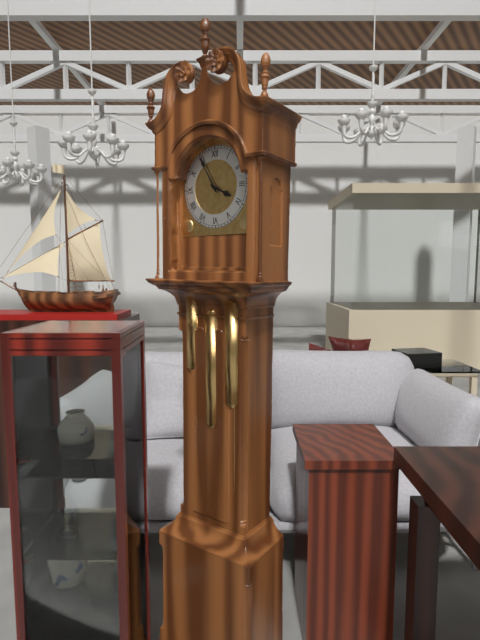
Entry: h=3 m=55
